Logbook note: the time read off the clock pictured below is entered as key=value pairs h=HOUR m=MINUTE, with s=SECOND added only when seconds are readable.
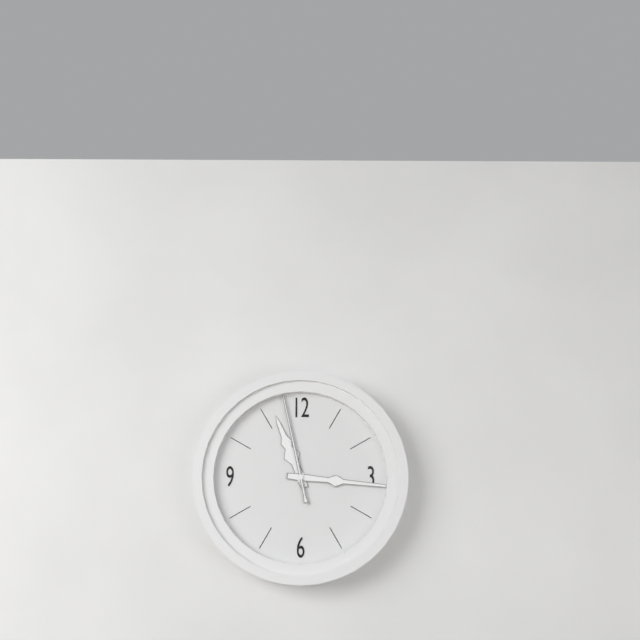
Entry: h=11 m=16 s=58
